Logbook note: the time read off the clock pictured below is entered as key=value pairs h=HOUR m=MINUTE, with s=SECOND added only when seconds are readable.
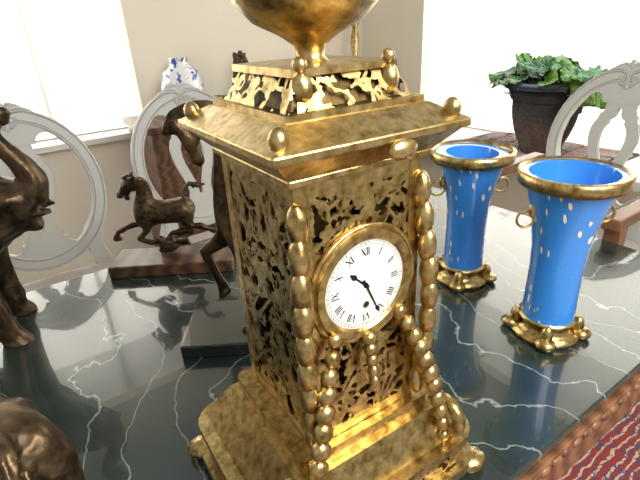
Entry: h=10 m=26
